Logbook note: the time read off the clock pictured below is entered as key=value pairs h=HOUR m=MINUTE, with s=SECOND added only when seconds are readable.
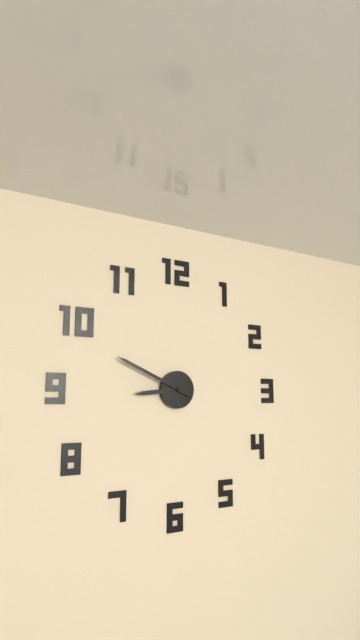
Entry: h=8 m=49
